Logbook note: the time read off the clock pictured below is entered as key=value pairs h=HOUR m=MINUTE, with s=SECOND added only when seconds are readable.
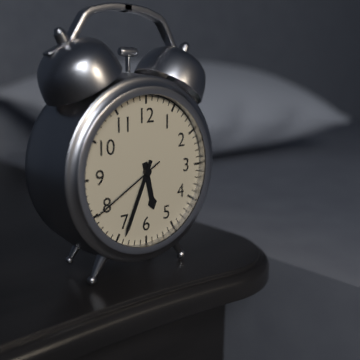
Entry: h=5 m=34 s=40
